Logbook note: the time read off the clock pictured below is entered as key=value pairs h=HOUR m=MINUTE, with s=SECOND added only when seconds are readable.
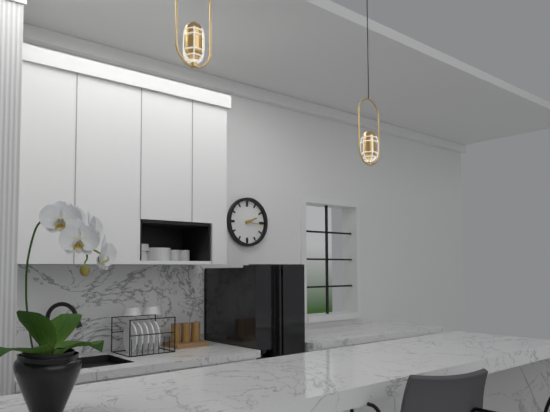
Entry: h=2 m=16
